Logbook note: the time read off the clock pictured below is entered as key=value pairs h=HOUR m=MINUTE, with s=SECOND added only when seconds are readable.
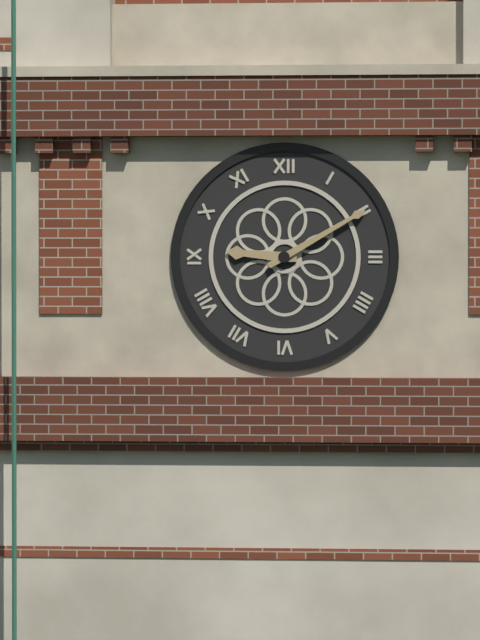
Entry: h=9 m=10
